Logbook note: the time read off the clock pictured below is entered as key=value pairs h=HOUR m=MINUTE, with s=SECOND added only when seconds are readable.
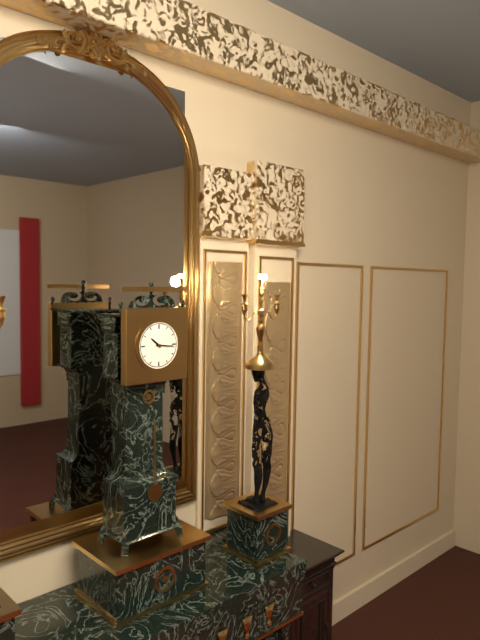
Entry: h=10 m=16
